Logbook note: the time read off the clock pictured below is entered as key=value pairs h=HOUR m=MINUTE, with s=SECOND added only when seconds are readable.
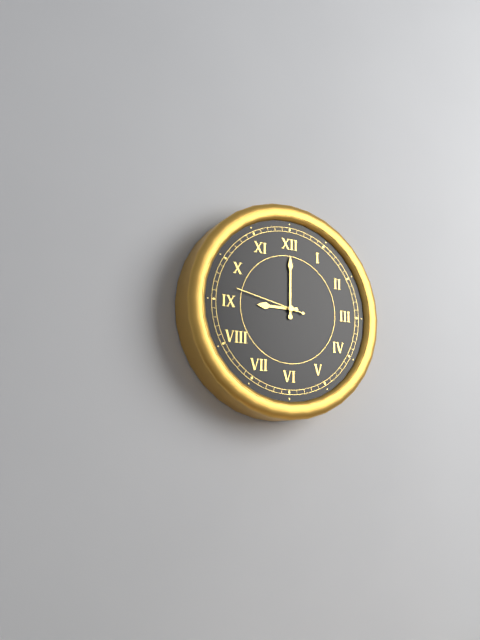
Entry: h=9 m=0 s=47
